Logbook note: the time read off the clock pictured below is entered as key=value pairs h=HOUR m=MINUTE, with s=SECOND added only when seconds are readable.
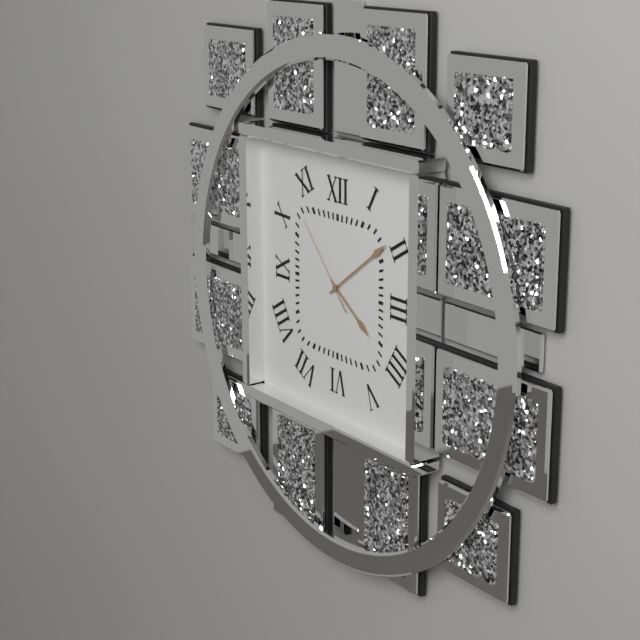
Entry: h=4 m=9 s=53
